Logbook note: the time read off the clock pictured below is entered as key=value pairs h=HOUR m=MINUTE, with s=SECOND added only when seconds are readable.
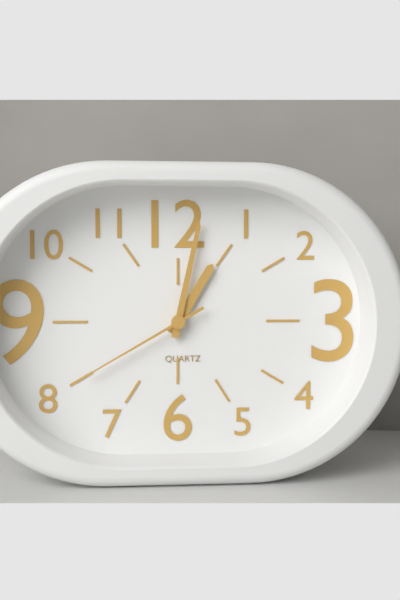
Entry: h=1 m=2 s=40
